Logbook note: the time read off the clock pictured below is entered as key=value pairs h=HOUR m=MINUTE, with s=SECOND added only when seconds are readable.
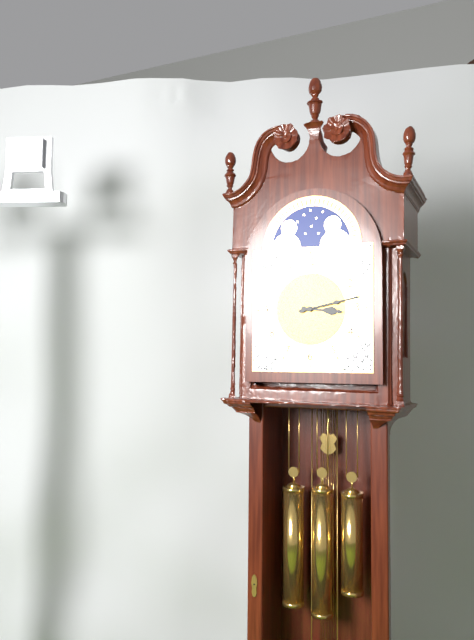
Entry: h=3 m=13
